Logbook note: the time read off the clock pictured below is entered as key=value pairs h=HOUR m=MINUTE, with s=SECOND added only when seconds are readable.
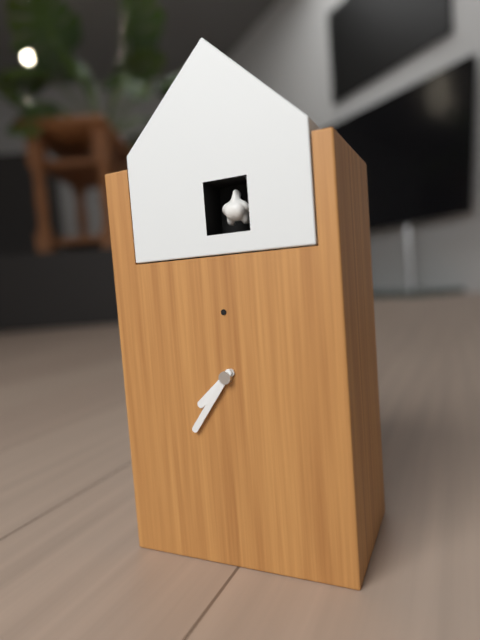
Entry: h=7 m=36
